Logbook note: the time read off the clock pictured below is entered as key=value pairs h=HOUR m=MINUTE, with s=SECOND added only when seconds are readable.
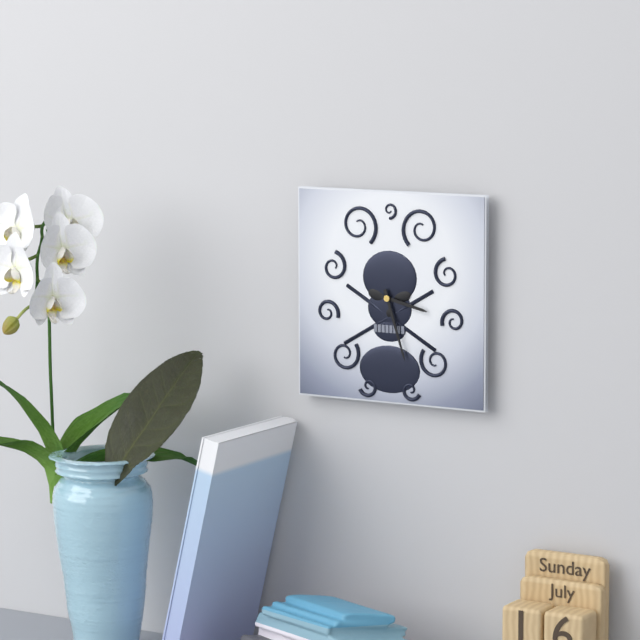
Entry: h=3 m=27
